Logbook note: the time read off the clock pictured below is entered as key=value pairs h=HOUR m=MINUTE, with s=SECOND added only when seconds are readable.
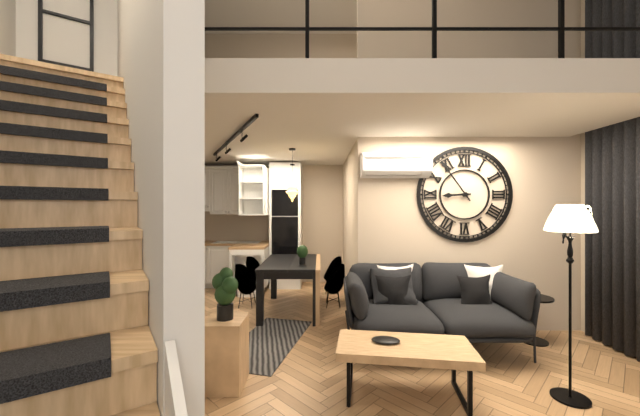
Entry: h=8 m=54
